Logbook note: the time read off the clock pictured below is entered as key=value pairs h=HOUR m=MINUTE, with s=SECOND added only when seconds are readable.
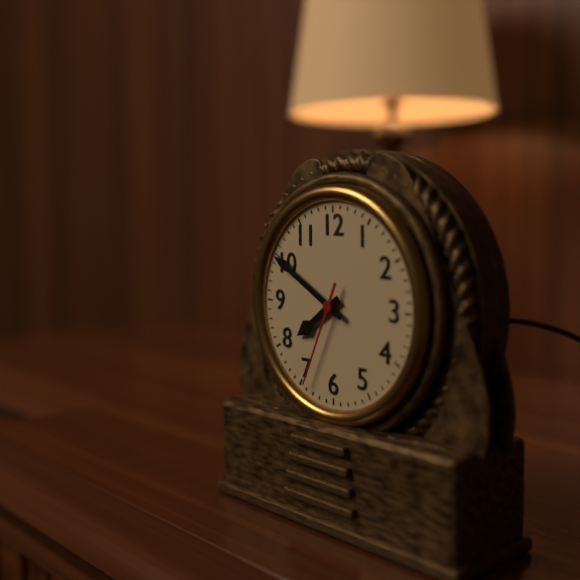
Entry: h=7 m=50 s=34
